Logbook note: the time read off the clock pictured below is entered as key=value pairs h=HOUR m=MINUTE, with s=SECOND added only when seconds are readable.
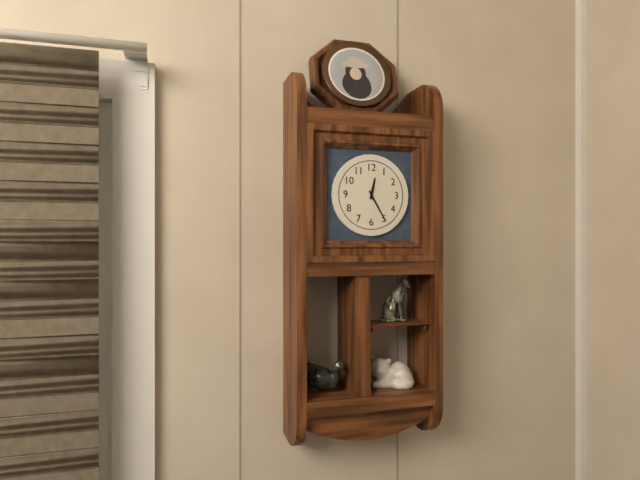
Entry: h=12 m=25
